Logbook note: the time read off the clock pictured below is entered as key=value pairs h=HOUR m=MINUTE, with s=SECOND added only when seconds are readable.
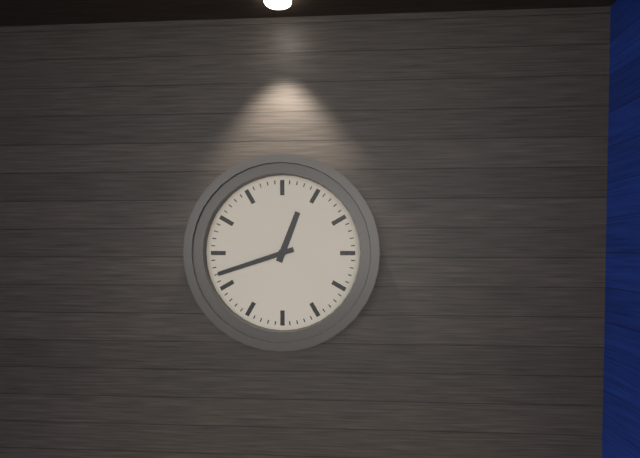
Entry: h=12 m=42
